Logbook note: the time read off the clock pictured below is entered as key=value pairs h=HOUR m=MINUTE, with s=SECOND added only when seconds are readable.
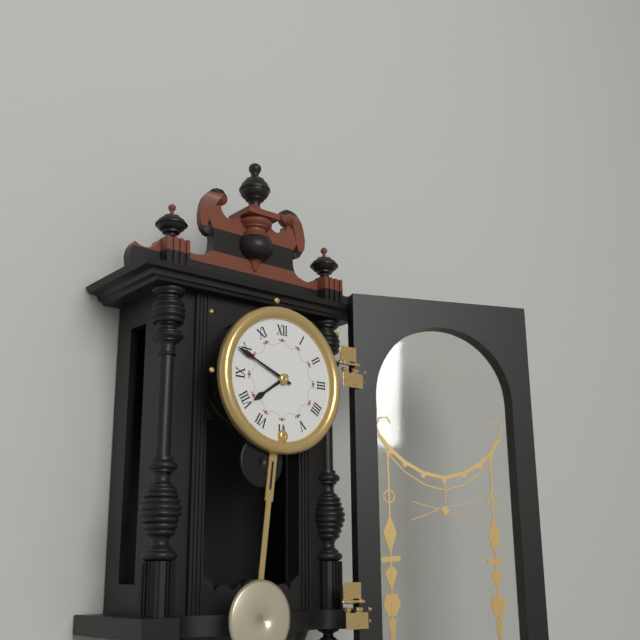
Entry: h=7 m=49
